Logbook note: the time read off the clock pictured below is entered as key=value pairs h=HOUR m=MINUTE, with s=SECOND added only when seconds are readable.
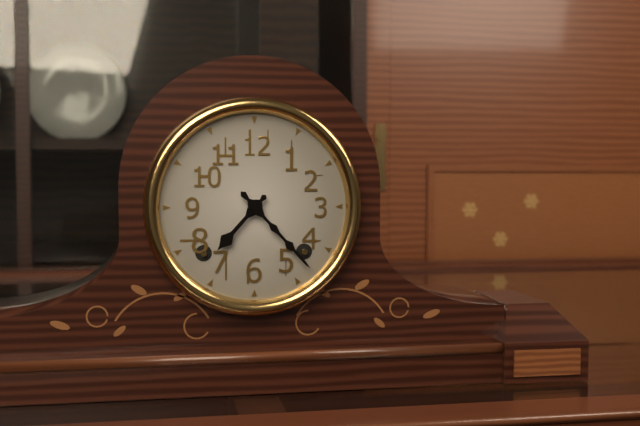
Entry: h=7 m=23
